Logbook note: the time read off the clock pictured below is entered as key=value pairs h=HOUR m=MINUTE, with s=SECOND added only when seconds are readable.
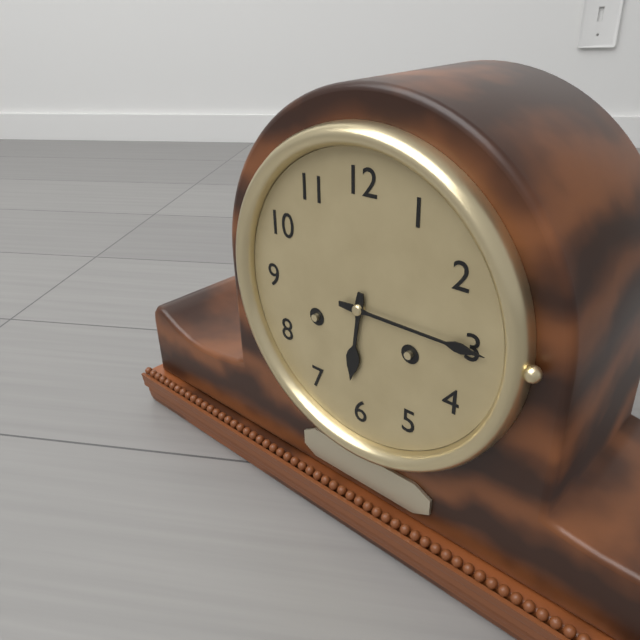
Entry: h=6 m=15
